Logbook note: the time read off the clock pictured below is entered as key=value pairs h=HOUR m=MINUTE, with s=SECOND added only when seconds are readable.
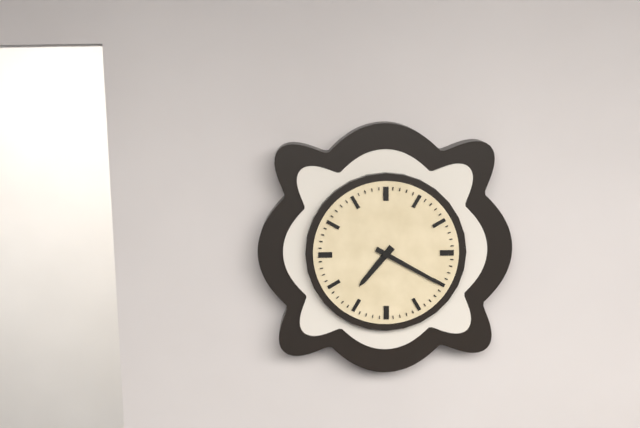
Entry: h=7 m=20
